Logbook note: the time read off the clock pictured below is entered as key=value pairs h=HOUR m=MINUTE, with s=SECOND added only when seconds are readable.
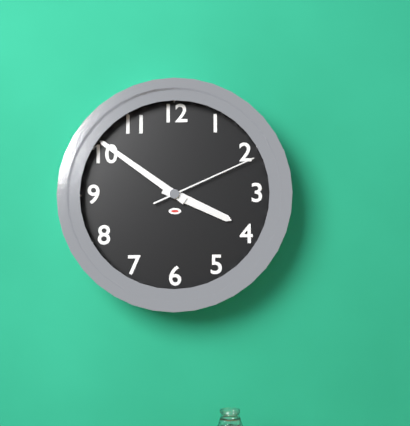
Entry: h=3 m=51 s=11
